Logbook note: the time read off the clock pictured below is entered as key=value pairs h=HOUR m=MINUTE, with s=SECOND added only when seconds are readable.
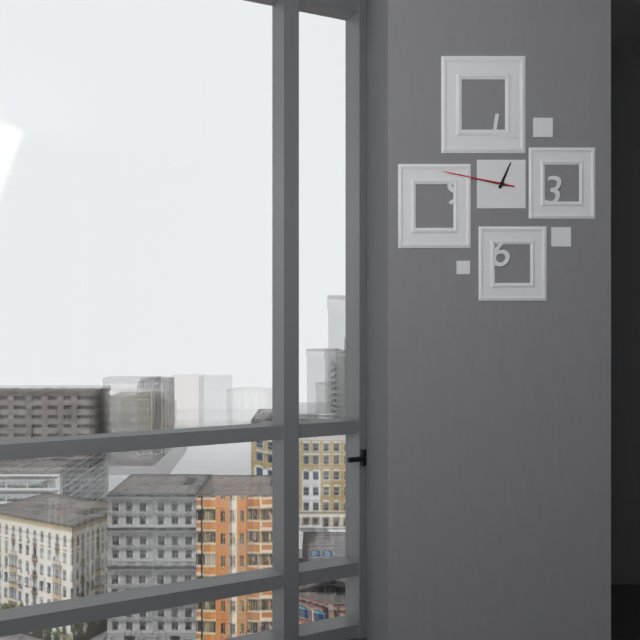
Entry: h=12 m=47 s=47
